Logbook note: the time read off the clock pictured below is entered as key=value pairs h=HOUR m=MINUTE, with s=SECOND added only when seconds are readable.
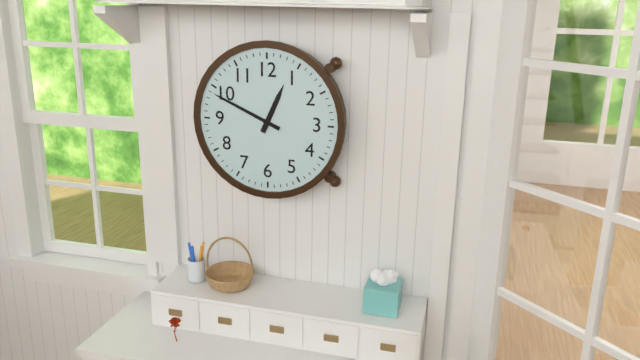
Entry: h=12 m=49
